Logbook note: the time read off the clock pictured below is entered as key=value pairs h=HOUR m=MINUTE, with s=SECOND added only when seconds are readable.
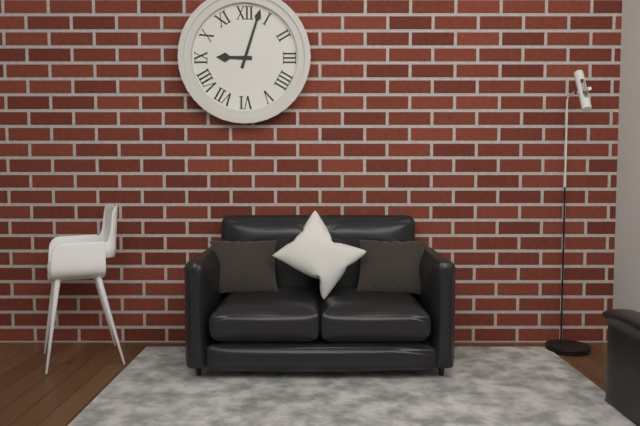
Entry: h=9 m=3
